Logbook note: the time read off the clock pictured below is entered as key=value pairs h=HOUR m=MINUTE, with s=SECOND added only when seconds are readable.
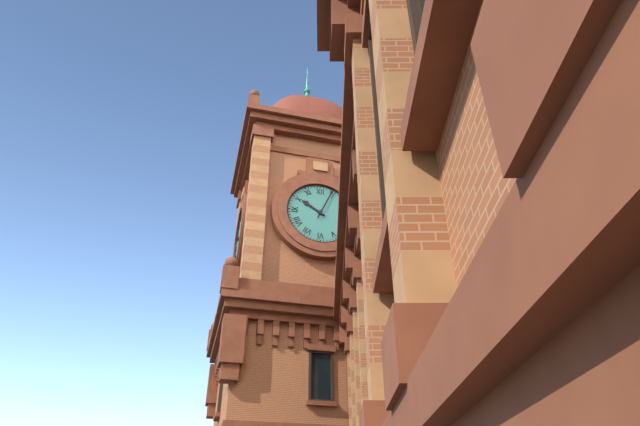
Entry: h=10 m=4
